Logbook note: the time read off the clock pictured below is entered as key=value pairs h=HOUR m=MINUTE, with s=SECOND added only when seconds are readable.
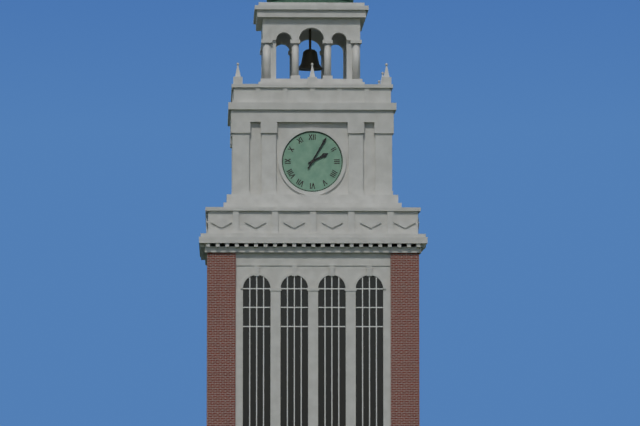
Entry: h=2 m=5
